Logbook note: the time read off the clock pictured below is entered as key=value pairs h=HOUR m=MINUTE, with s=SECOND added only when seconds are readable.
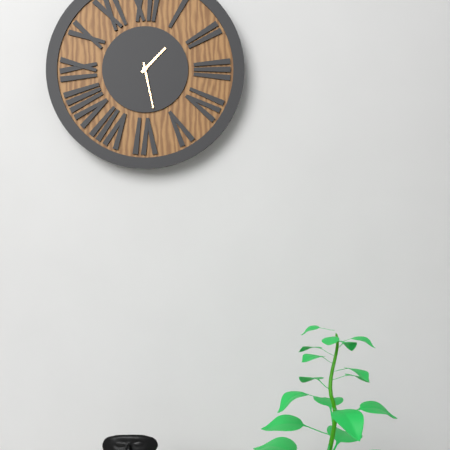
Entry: h=1 m=28
